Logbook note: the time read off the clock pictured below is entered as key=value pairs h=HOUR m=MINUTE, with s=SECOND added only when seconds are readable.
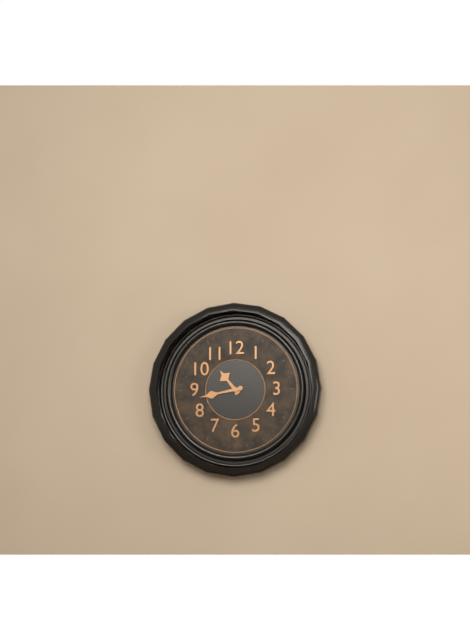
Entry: h=10 m=43
